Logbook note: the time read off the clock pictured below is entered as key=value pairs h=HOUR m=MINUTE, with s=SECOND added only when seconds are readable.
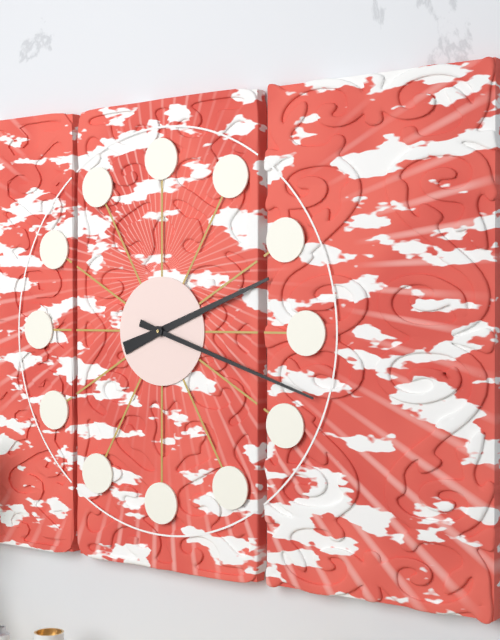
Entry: h=2 m=18
